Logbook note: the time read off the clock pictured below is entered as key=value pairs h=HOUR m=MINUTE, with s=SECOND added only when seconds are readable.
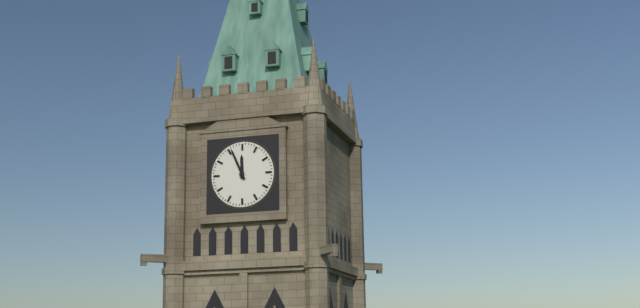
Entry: h=11 m=56
